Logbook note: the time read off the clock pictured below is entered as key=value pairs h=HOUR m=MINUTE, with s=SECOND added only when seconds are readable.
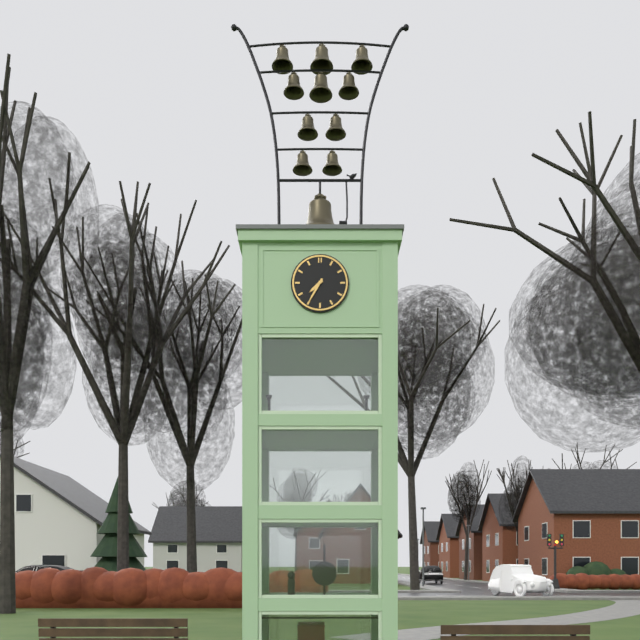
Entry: h=7 m=35
